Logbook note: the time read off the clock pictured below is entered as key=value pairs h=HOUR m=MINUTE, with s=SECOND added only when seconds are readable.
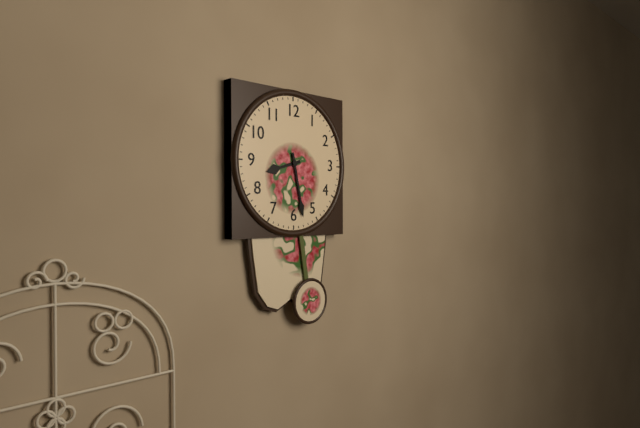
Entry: h=8 m=28
